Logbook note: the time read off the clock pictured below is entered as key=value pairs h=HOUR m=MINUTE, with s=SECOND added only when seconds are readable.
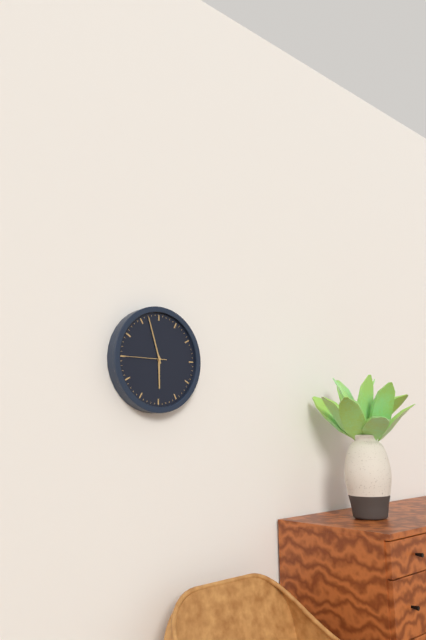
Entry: h=5 m=57
